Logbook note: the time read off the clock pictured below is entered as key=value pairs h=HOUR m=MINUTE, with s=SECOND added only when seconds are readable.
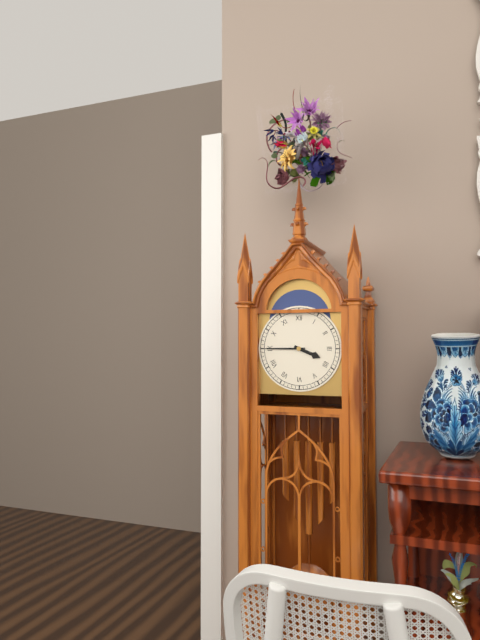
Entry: h=3 m=45
